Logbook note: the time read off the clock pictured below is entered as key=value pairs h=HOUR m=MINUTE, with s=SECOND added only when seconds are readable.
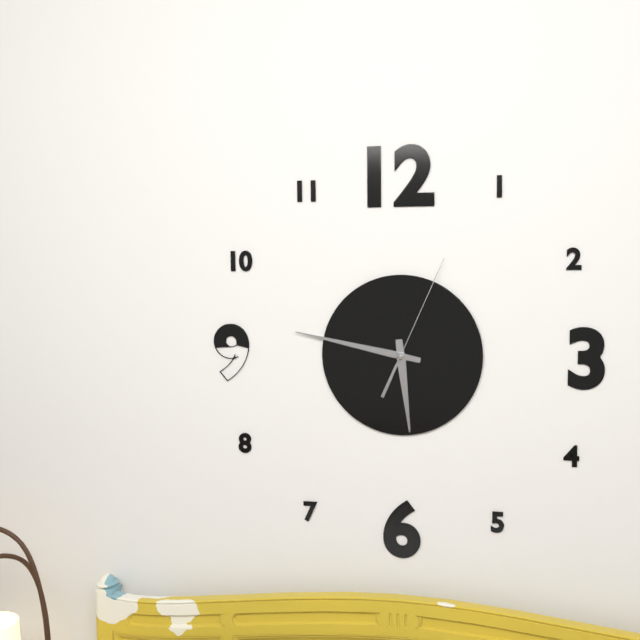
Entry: h=5 m=47 s=4
